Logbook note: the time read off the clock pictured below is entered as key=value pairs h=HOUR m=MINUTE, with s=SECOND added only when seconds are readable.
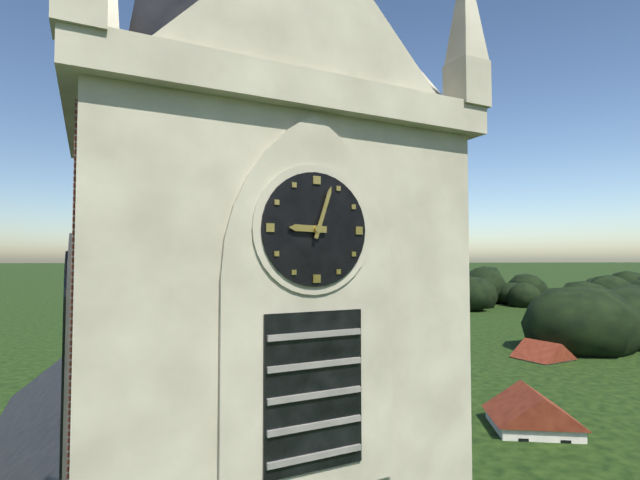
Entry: h=9 m=3
